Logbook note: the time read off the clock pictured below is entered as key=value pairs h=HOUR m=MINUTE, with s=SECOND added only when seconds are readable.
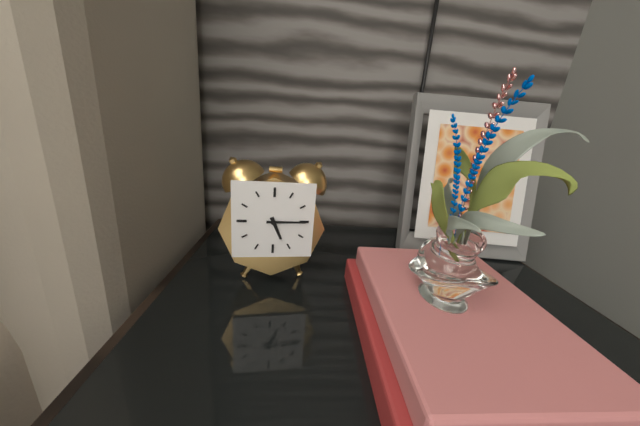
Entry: h=5 m=15
